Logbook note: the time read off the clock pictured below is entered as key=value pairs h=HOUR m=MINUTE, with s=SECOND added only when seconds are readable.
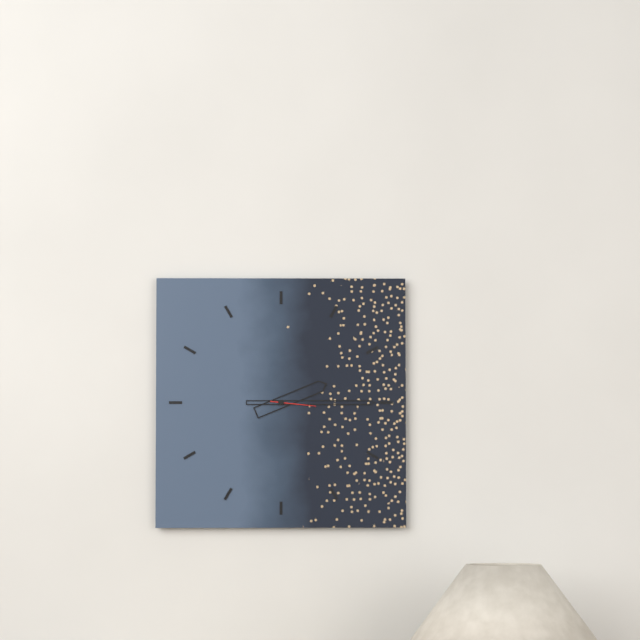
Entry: h=2 m=15
